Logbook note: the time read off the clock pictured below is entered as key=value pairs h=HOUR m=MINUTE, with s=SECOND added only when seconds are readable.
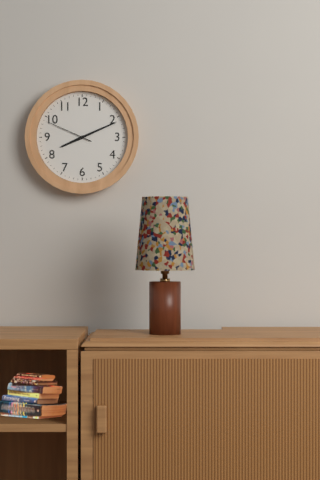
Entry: h=8 m=11
